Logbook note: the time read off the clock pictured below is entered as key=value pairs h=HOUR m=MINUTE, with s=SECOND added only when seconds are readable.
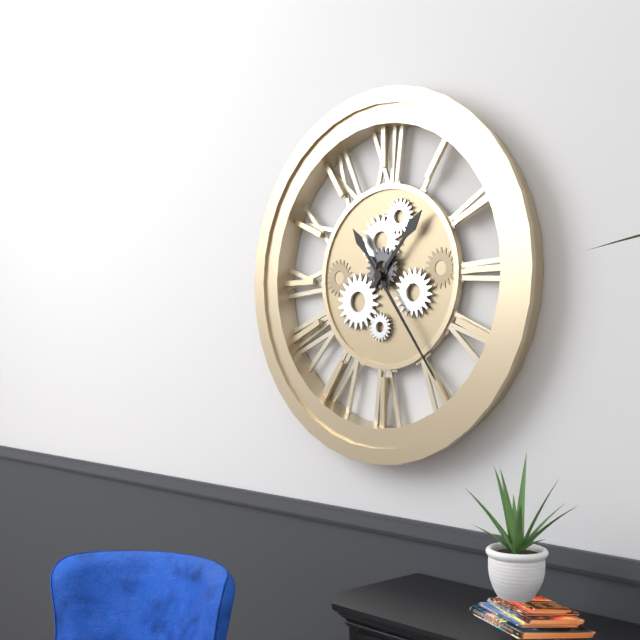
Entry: h=1 m=24
